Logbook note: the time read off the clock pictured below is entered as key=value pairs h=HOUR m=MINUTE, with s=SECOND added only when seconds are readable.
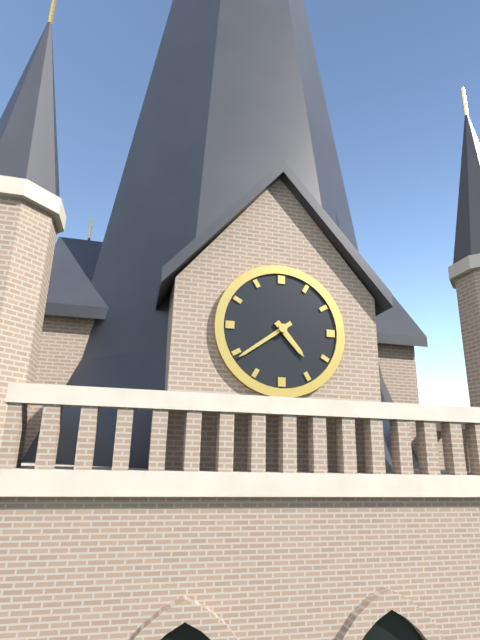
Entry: h=4 m=39
